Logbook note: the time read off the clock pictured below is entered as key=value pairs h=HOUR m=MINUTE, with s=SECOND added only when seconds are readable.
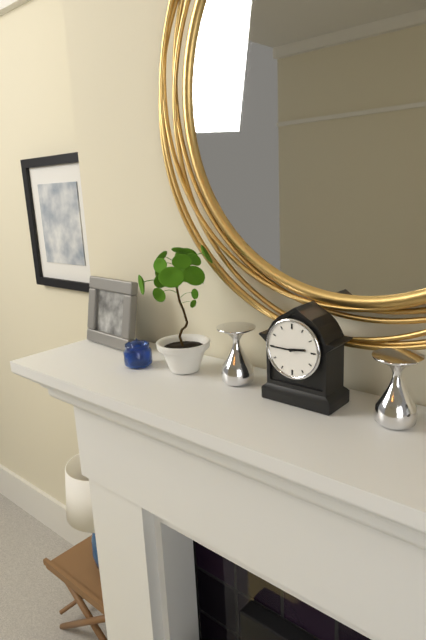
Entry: h=2 m=45
